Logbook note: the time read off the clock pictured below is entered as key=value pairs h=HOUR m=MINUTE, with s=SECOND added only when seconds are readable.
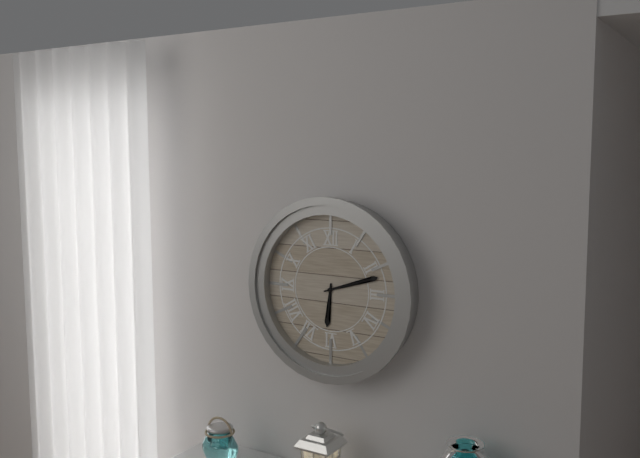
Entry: h=6 m=12
